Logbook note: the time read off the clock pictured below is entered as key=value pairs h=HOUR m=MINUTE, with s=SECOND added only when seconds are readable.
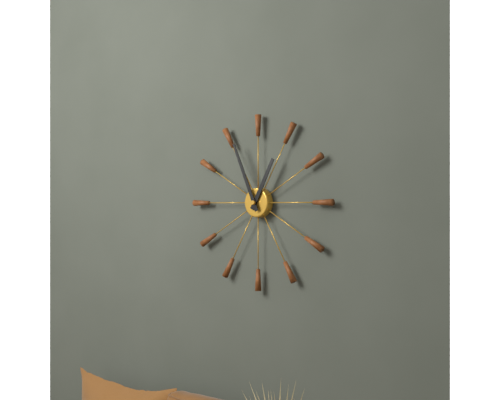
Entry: h=12 m=56
